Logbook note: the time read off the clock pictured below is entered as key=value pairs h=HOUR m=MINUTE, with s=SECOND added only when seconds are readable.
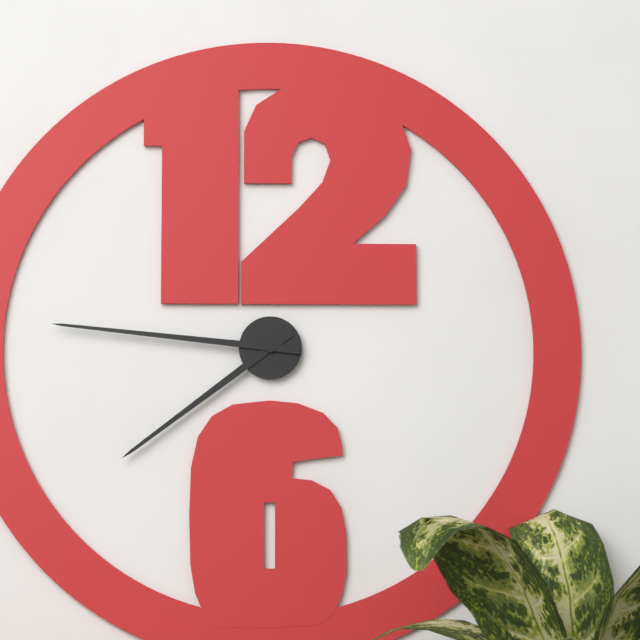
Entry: h=7 m=46
